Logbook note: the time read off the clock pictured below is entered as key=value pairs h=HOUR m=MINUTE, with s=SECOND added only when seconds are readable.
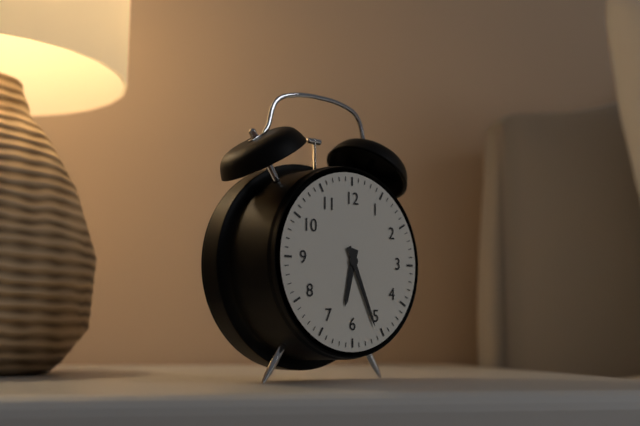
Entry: h=6 m=26
